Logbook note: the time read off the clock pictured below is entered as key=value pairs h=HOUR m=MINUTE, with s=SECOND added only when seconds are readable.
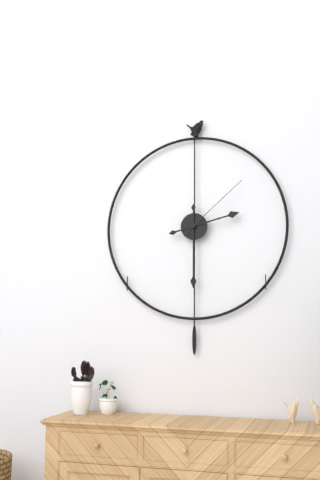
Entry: h=2 m=30 s=8
